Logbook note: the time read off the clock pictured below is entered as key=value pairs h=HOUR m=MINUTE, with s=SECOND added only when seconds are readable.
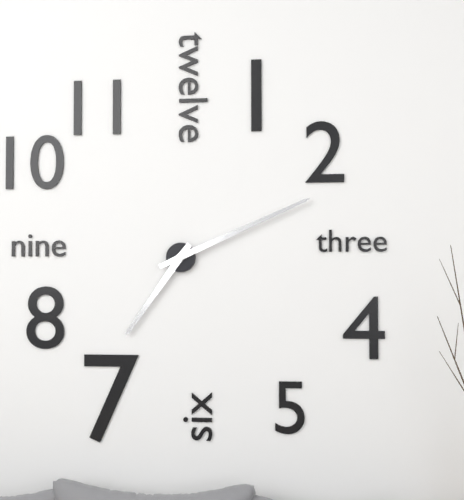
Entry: h=7 m=11
